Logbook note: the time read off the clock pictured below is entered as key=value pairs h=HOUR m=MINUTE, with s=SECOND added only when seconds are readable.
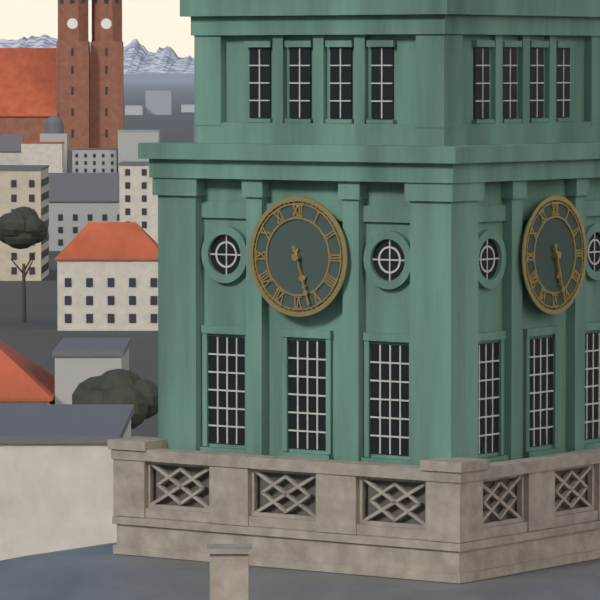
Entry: h=5 m=27
